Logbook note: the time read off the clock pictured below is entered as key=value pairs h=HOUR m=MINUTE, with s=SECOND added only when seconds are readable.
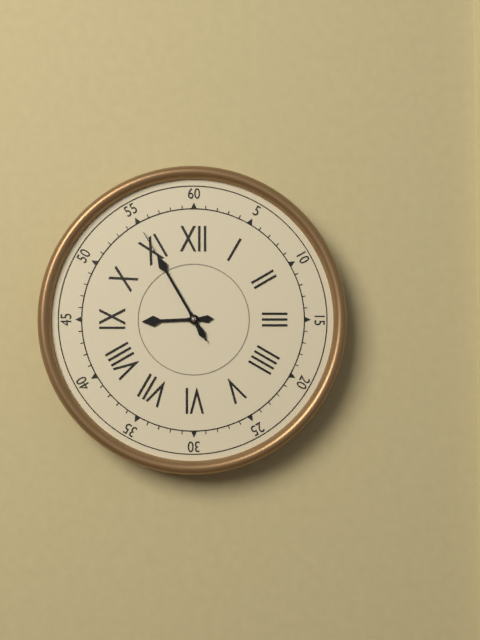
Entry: h=8 m=55 s=55
